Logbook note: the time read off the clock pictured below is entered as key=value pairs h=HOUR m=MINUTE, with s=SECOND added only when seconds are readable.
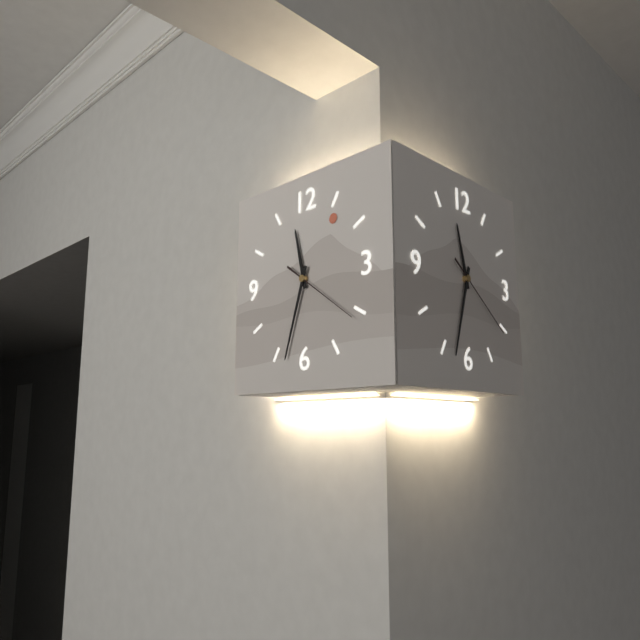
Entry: h=11 m=33 s=21
